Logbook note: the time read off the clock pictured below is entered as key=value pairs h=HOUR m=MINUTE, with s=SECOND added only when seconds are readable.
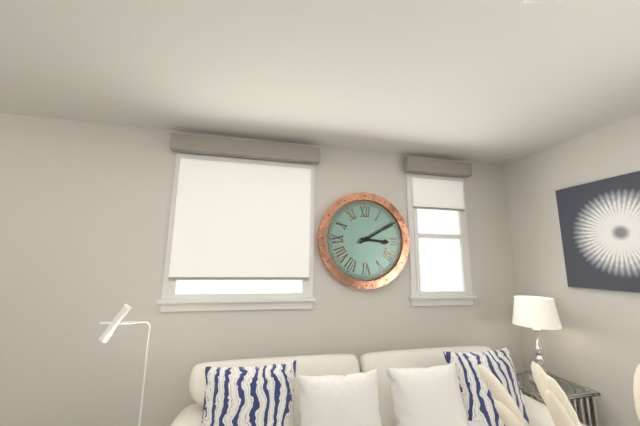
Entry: h=3 m=10
